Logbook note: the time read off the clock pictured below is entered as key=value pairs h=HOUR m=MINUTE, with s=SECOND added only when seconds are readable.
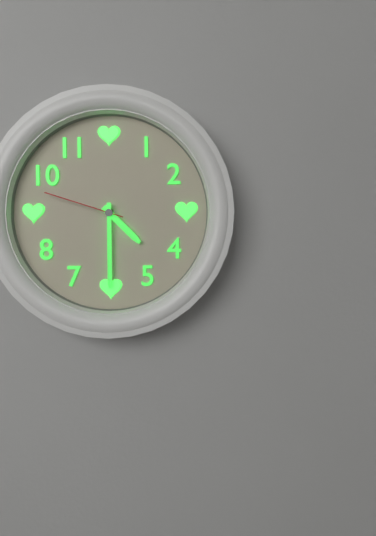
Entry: h=4 m=30 s=48
